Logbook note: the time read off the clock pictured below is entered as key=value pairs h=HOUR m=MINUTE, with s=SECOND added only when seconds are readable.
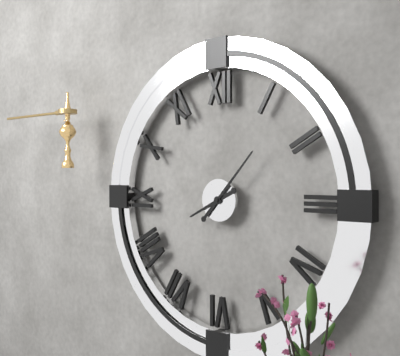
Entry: h=8 m=7
